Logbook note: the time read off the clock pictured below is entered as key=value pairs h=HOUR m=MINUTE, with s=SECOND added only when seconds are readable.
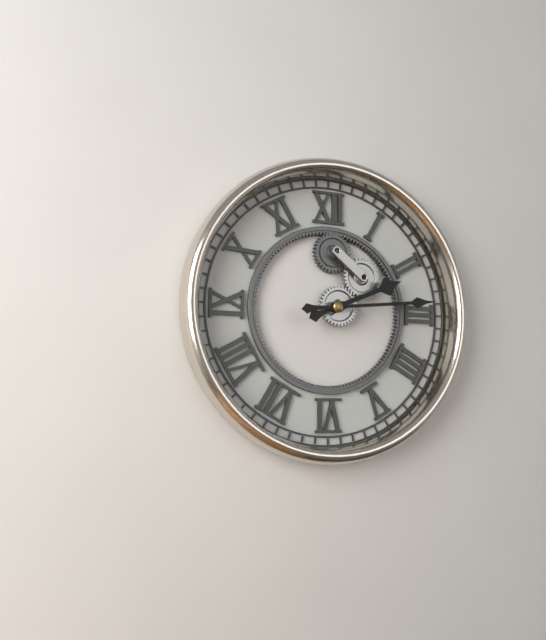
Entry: h=2 m=14
